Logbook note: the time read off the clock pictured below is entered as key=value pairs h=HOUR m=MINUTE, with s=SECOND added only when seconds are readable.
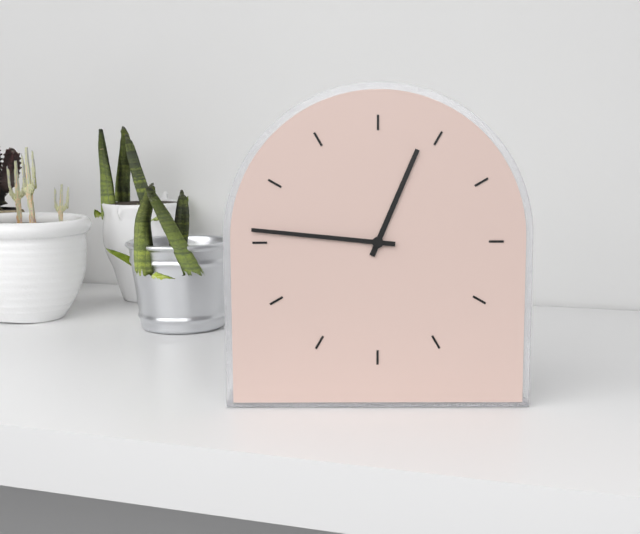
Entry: h=12 m=46
